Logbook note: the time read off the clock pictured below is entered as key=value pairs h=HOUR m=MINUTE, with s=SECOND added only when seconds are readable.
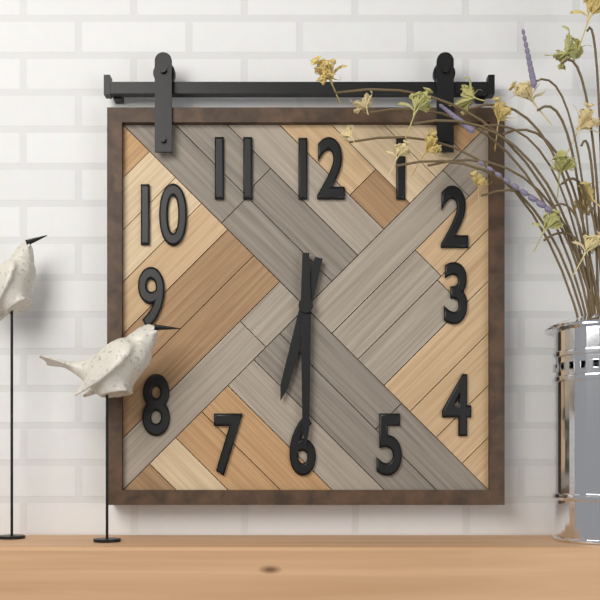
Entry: h=6 m=30
